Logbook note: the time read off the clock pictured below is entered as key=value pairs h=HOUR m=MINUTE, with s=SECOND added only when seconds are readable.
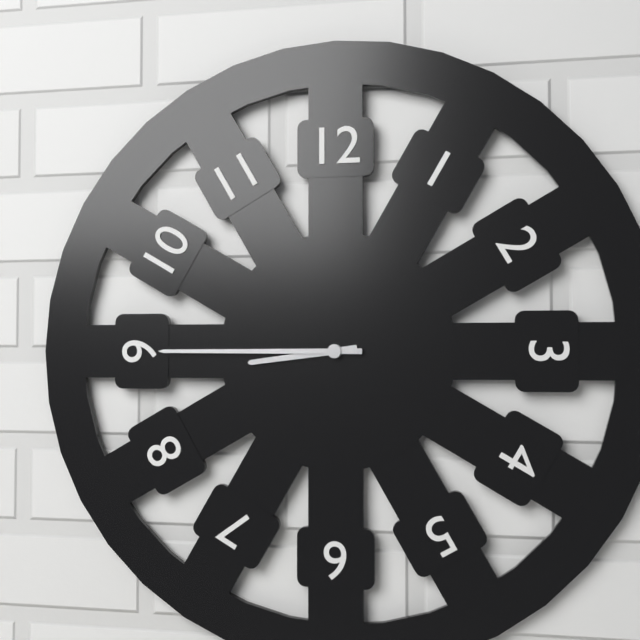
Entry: h=8 m=45
